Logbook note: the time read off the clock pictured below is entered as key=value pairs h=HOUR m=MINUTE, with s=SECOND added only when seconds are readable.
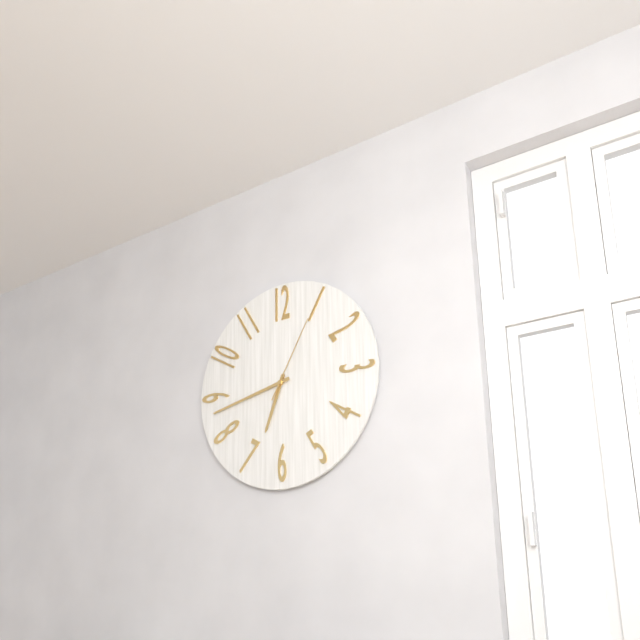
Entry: h=6 m=43 s=5
